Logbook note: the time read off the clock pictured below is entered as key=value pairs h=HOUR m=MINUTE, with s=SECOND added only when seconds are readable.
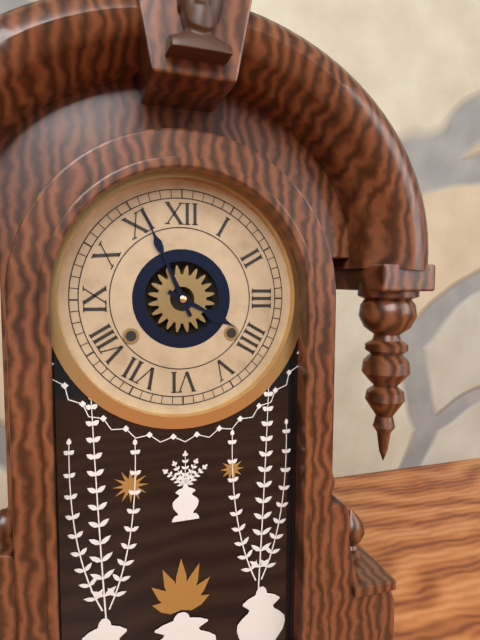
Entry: h=3 m=56
